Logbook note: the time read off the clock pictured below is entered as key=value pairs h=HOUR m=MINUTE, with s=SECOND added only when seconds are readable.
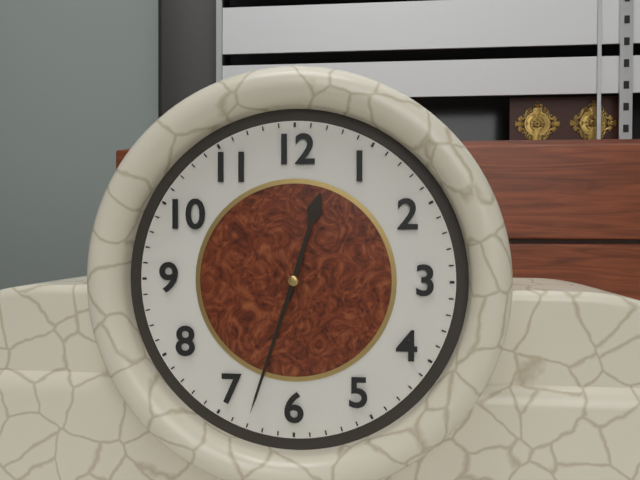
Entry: h=12 m=33
